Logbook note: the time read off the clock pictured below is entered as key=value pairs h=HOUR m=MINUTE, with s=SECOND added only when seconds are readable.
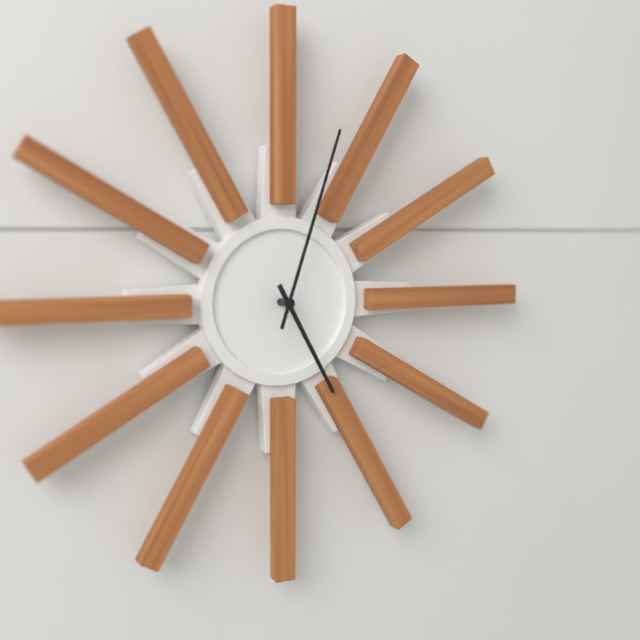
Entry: h=5 m=3
